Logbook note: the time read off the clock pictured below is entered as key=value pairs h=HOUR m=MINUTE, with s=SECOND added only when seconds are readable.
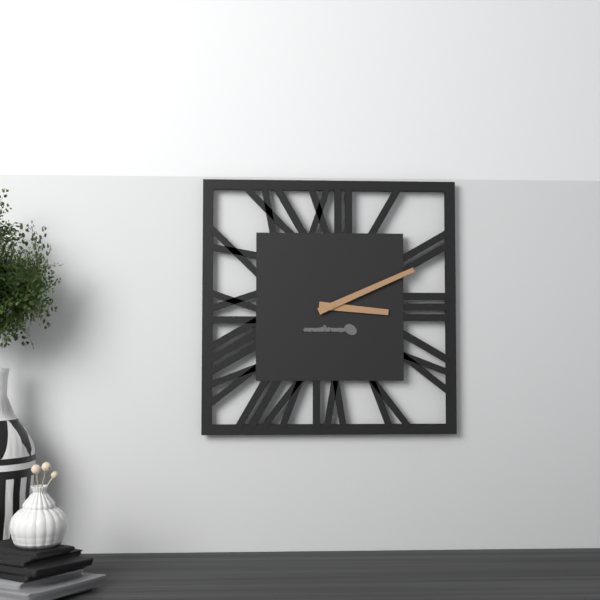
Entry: h=3 m=11
